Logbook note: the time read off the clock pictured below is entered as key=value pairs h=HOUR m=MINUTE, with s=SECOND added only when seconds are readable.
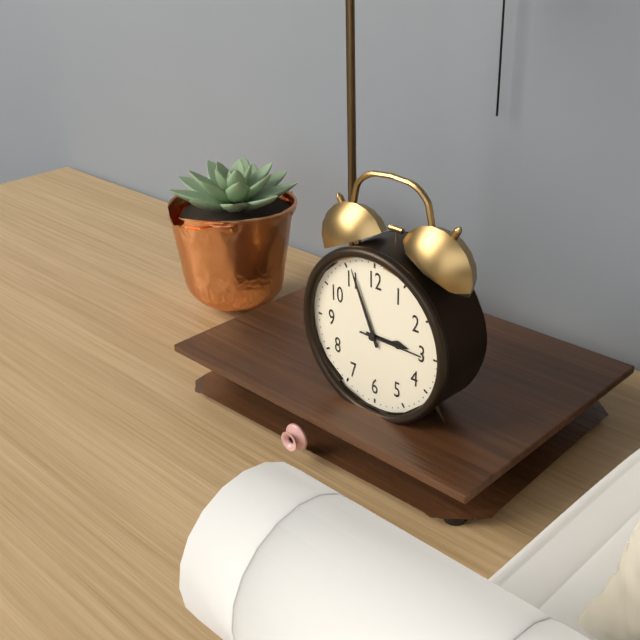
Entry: h=2 m=56 s=15
